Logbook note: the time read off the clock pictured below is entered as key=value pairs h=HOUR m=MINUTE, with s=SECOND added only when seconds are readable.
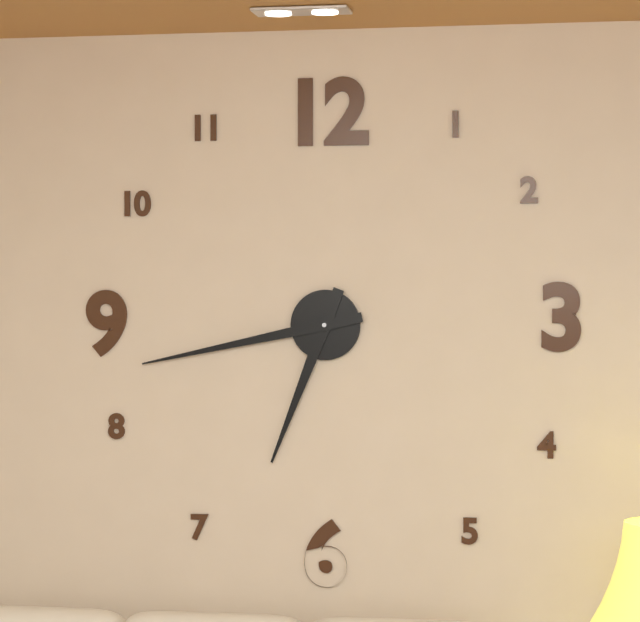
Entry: h=6 m=43
